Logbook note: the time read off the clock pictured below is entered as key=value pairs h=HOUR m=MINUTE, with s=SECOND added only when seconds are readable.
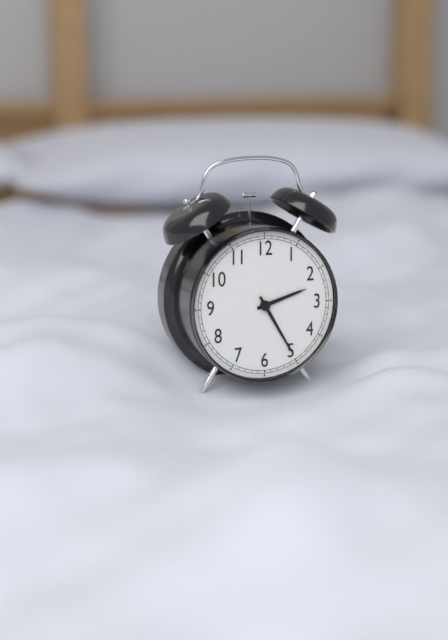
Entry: h=2 m=25
